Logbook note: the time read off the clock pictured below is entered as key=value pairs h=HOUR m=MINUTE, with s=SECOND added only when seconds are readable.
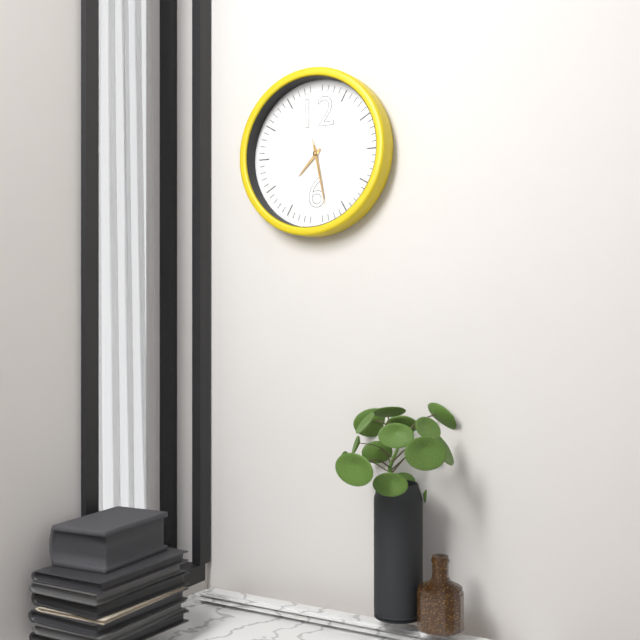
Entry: h=7 m=28 s=28
